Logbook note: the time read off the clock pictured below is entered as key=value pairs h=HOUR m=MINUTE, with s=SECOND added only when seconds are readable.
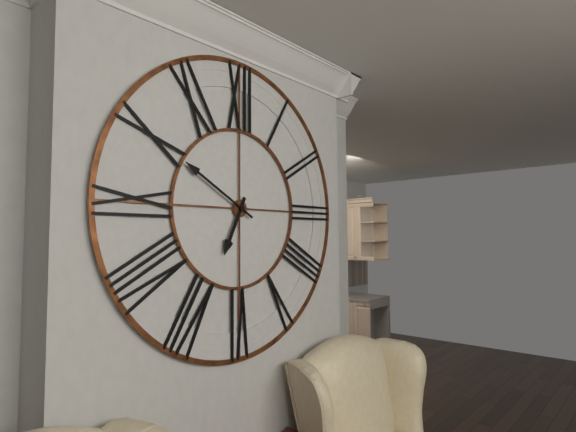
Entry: h=6 m=50
